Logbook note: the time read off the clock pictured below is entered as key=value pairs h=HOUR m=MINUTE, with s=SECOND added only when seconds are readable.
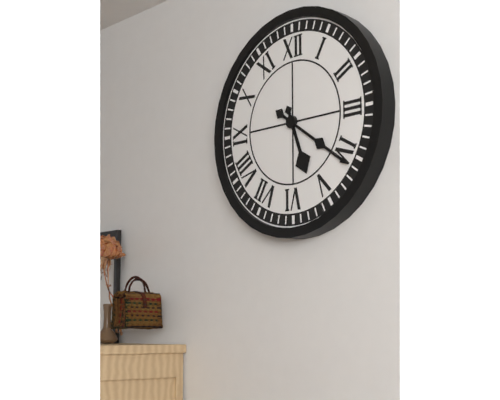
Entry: h=5 m=21
